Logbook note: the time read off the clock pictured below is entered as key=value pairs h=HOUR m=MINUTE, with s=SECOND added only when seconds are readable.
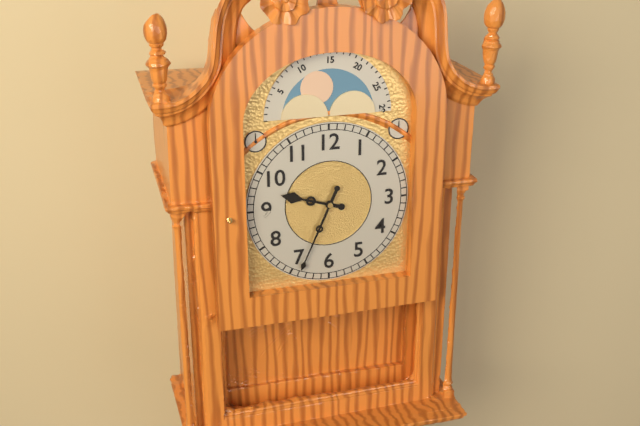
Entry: h=9 m=34
